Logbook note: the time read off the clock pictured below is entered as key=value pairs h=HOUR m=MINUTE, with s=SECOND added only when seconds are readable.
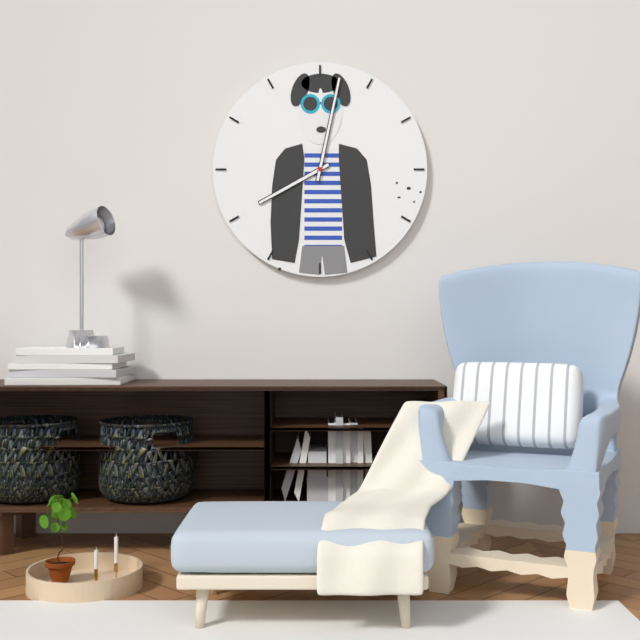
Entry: h=8 m=2
